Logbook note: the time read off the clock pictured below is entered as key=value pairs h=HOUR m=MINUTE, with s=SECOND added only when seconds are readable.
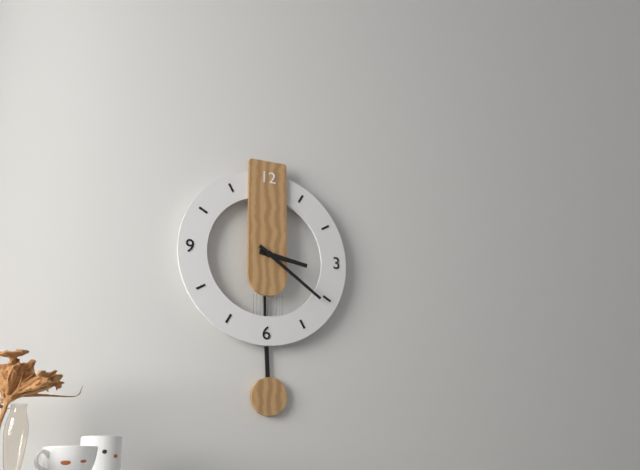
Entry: h=3 m=21
